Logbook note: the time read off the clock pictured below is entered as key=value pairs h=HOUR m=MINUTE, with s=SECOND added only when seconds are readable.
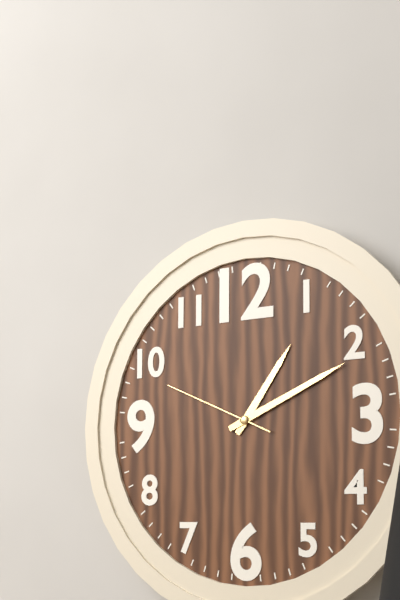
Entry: h=1 m=11 s=49
